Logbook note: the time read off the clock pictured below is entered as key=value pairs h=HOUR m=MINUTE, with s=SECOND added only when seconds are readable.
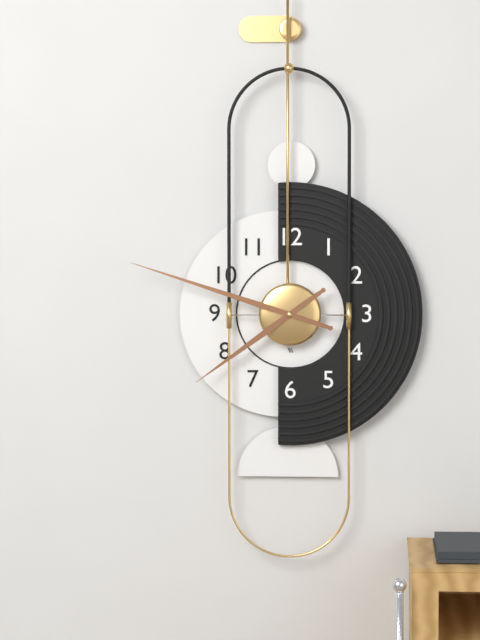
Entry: h=7 m=48
